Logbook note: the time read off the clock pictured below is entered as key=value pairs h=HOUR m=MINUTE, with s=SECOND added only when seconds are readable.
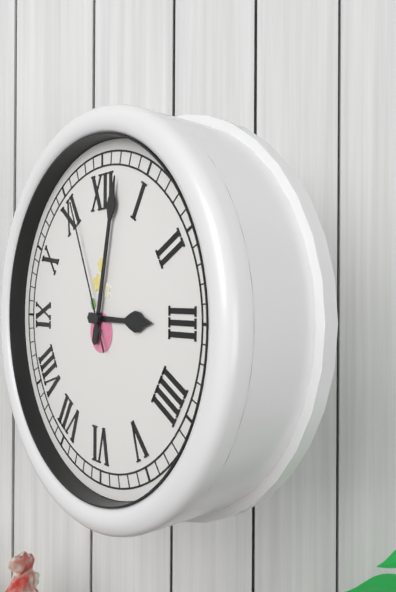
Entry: h=3 m=2 s=56
